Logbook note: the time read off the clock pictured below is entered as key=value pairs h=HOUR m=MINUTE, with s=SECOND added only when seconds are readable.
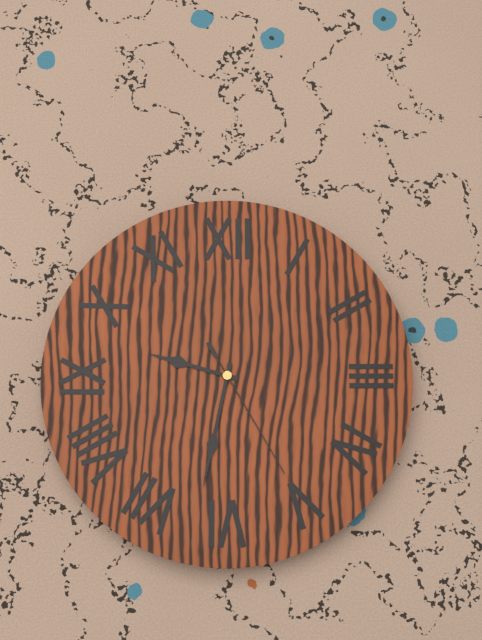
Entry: h=9 m=32 s=25
